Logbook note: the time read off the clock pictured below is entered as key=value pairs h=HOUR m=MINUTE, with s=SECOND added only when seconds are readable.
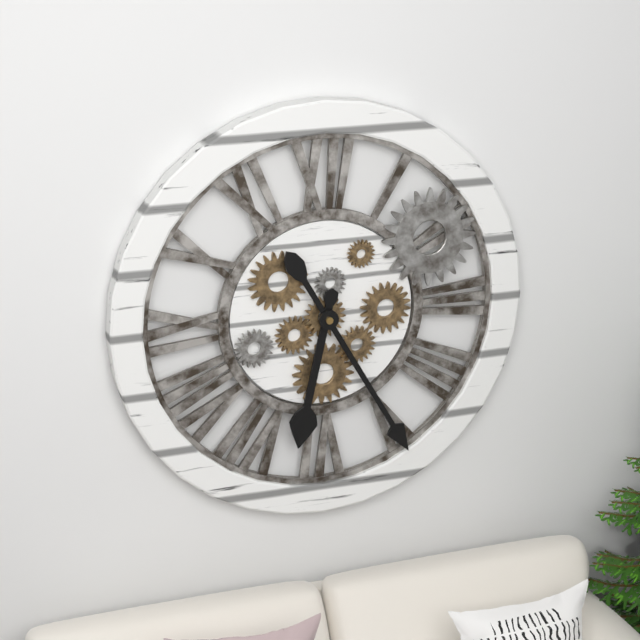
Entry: h=6 m=25
